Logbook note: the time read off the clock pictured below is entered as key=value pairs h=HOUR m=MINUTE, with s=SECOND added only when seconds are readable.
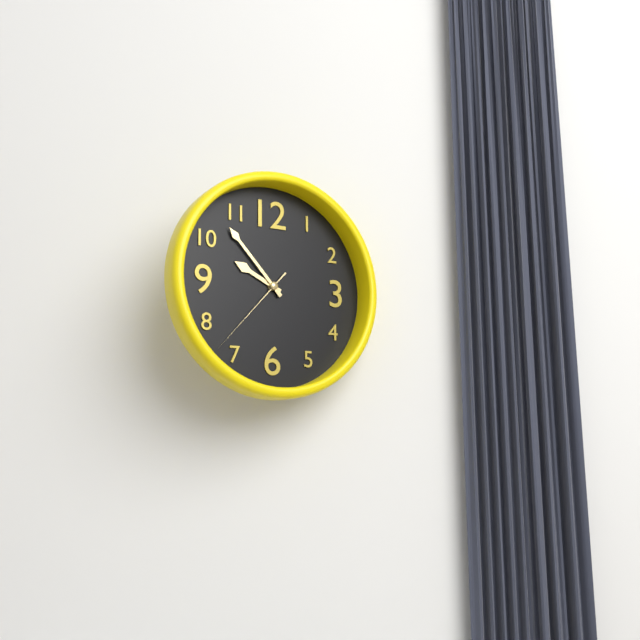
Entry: h=9 m=53 s=37
